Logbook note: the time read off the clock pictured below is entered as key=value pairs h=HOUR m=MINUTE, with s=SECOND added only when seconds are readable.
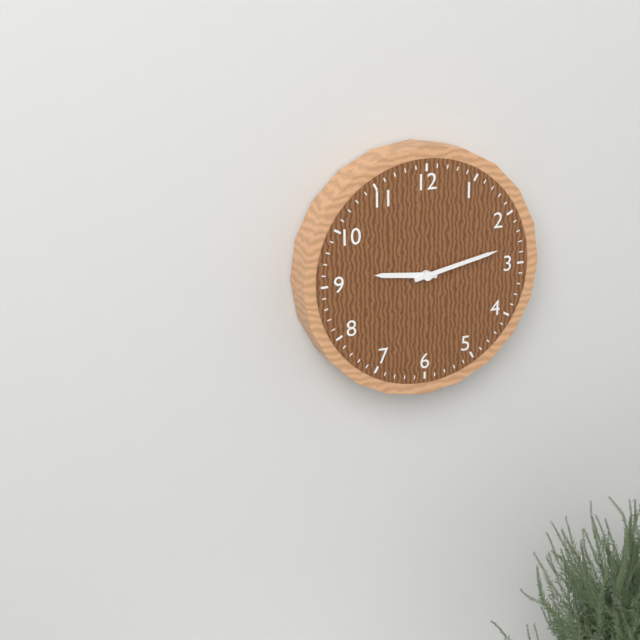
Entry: h=9 m=13
